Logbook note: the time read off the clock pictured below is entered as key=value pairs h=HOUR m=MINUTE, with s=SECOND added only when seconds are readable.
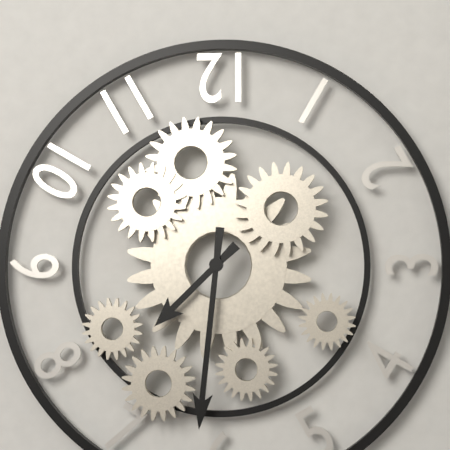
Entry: h=7 m=31
